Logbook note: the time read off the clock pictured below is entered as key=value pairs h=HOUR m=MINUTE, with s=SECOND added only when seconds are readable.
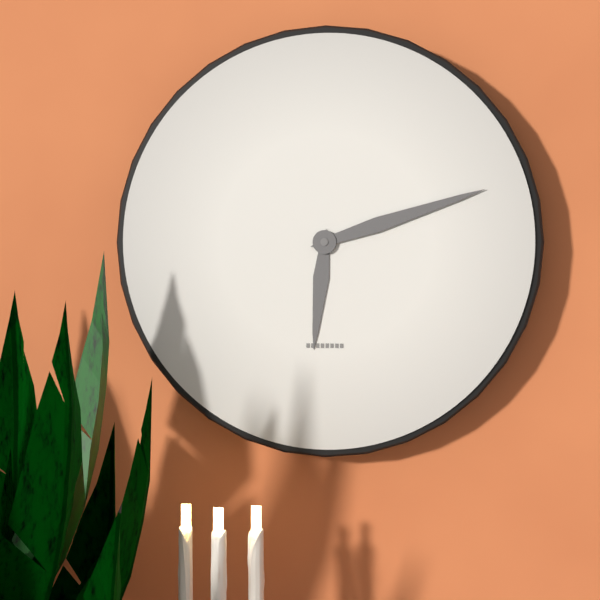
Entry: h=6 m=12
